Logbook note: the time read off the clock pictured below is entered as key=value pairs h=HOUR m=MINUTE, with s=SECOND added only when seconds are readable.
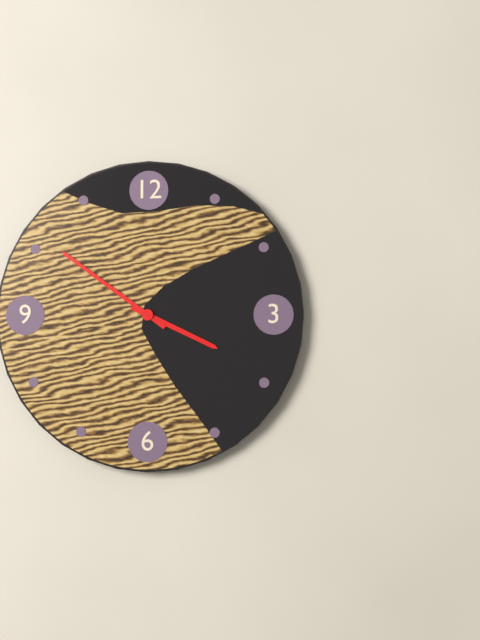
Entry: h=3 m=51
